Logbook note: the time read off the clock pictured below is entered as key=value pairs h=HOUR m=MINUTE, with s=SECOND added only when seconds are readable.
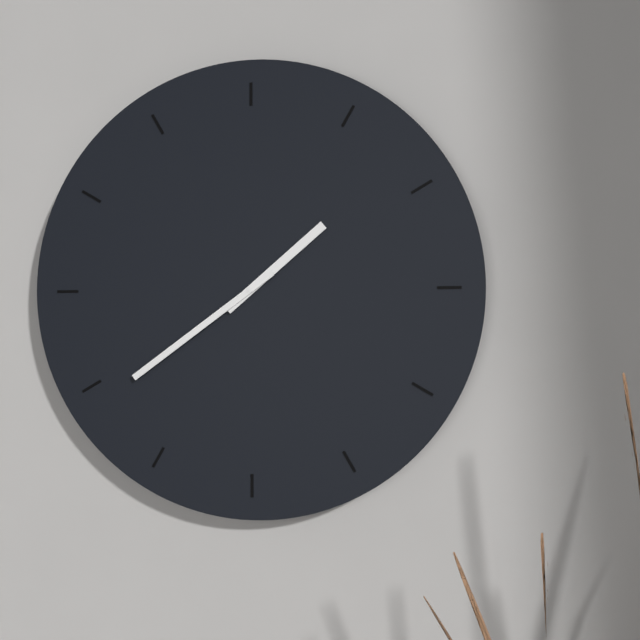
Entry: h=1 m=39
